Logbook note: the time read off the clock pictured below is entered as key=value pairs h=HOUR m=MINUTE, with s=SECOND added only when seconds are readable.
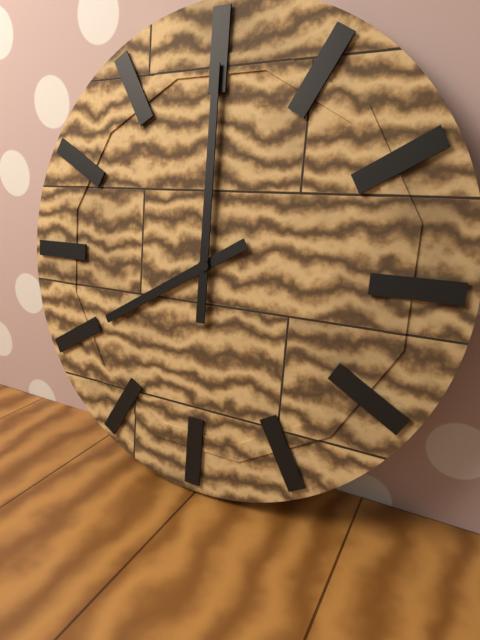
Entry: h=8 m=0
